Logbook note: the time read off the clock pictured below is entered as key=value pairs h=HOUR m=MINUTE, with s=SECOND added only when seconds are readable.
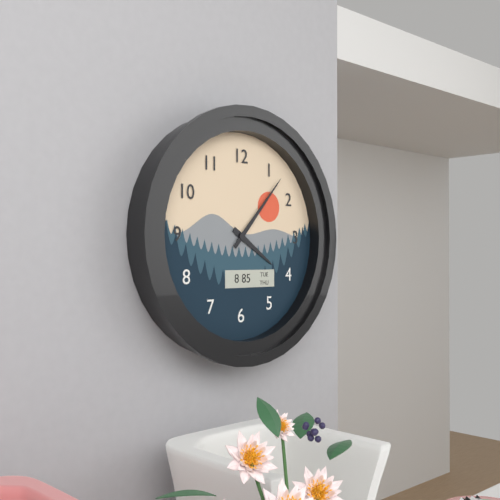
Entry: h=4 m=7
